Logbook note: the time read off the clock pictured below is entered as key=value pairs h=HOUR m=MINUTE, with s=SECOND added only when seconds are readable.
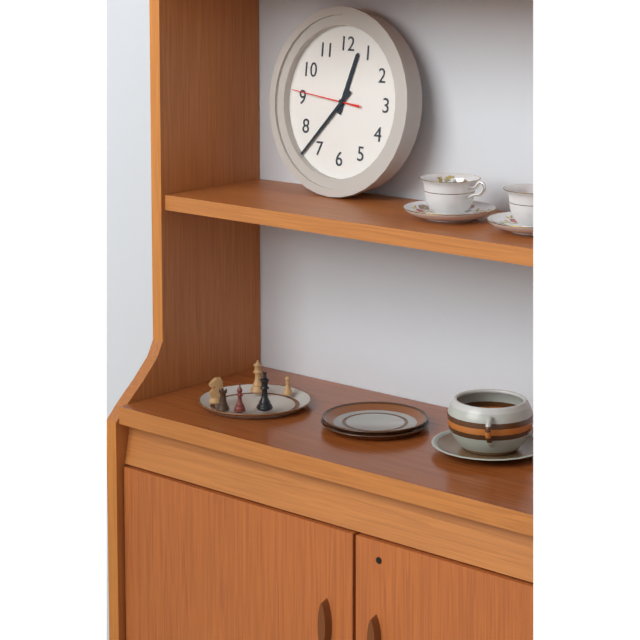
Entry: h=12 m=37 s=46
